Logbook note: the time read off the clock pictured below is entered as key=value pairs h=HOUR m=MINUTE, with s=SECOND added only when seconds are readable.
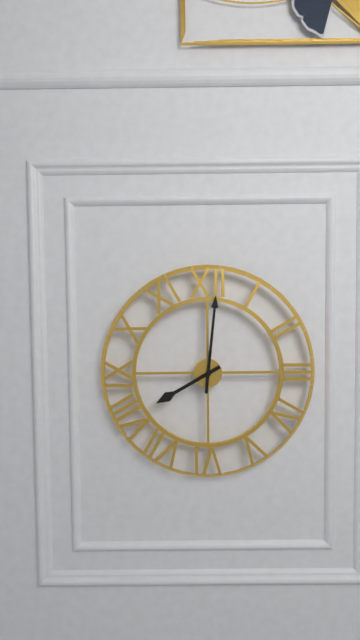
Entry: h=8 m=1
